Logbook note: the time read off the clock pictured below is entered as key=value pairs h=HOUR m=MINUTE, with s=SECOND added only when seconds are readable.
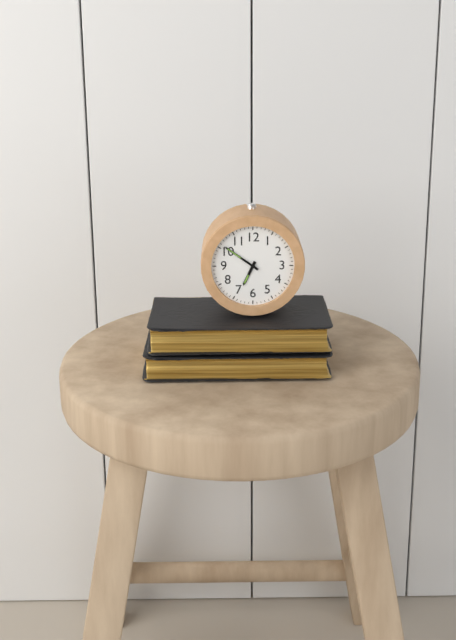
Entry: h=6 m=51
